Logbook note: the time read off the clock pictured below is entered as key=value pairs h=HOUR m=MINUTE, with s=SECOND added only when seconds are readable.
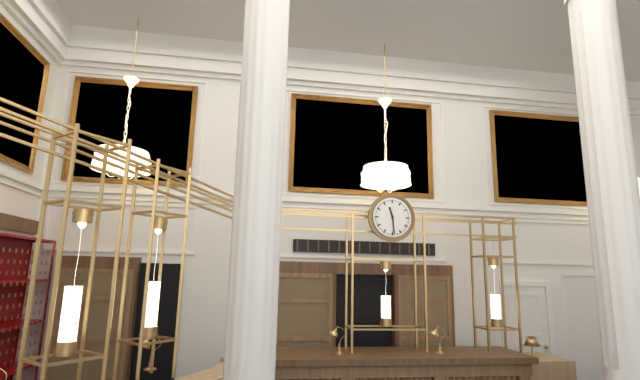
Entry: h=11 m=29
